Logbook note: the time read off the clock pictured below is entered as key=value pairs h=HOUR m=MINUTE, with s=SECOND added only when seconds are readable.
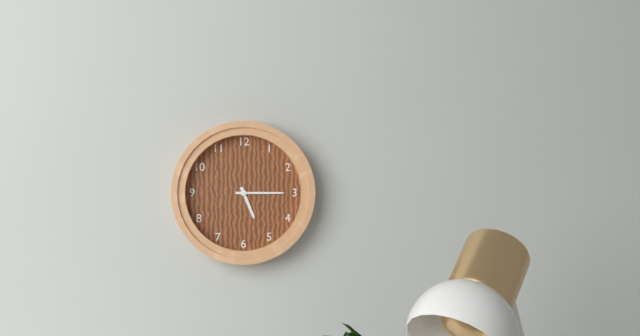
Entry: h=5 m=15
